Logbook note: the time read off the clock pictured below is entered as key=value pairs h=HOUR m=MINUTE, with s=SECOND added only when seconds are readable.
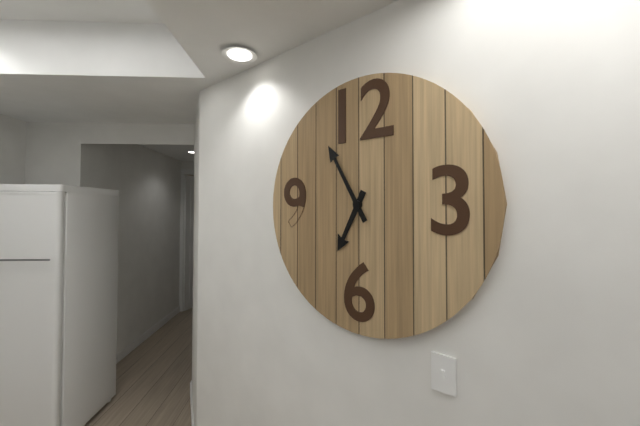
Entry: h=6 m=55
